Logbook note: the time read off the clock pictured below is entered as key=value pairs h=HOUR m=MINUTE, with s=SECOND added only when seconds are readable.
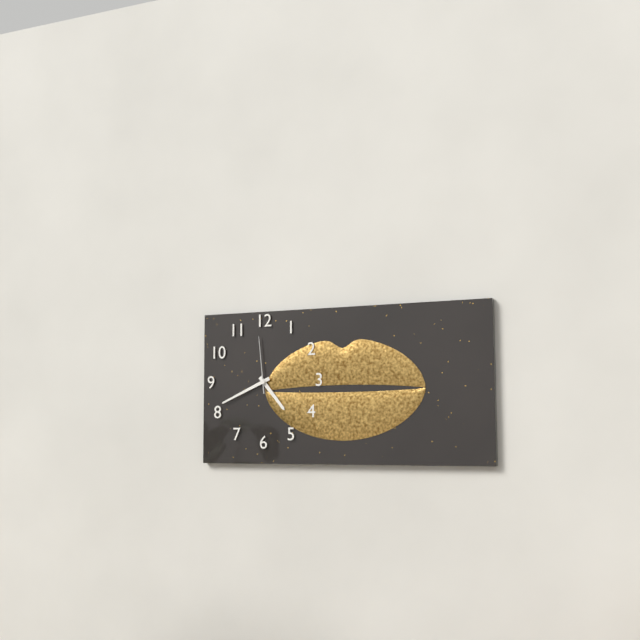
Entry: h=4 m=41 s=59
